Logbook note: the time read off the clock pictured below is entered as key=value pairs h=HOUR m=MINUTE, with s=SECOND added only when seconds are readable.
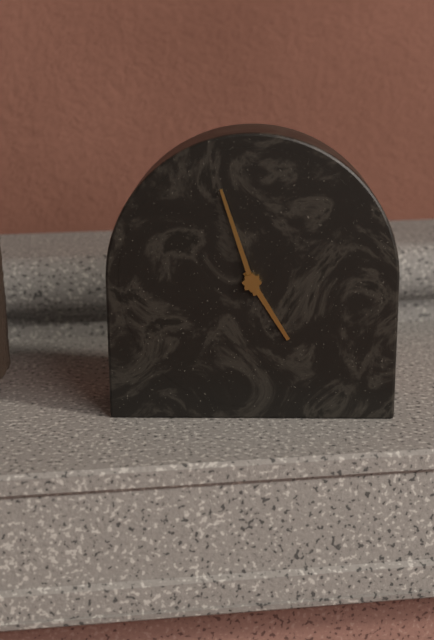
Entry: h=4 m=57
